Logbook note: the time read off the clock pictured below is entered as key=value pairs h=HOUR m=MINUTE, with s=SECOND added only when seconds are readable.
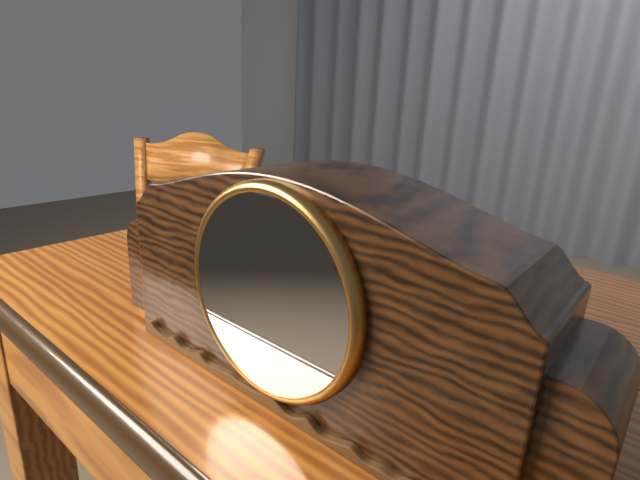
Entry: h=11 m=36
